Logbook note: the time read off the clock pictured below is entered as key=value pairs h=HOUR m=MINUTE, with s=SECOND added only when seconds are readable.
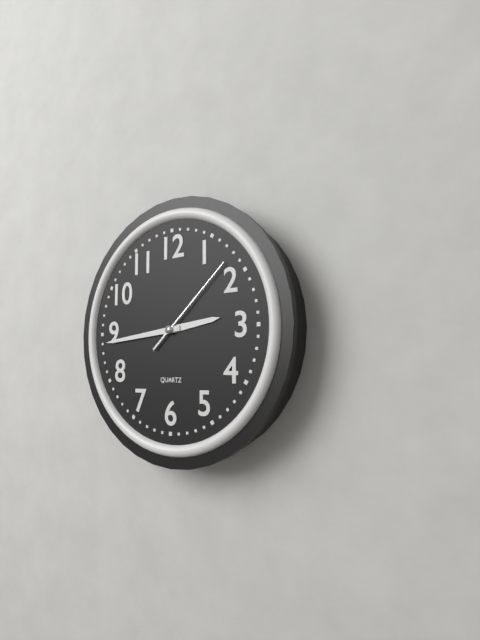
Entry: h=2 m=44 s=8
